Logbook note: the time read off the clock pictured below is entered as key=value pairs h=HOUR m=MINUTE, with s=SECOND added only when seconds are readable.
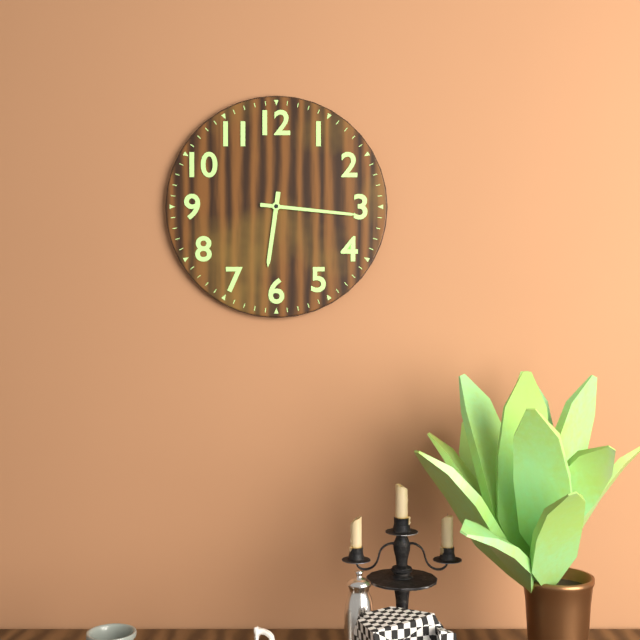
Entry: h=6 m=16
